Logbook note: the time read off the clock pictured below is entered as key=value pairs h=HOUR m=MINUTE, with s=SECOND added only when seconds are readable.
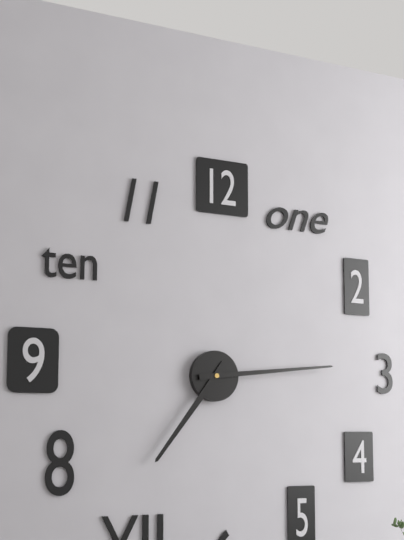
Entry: h=7 m=14
